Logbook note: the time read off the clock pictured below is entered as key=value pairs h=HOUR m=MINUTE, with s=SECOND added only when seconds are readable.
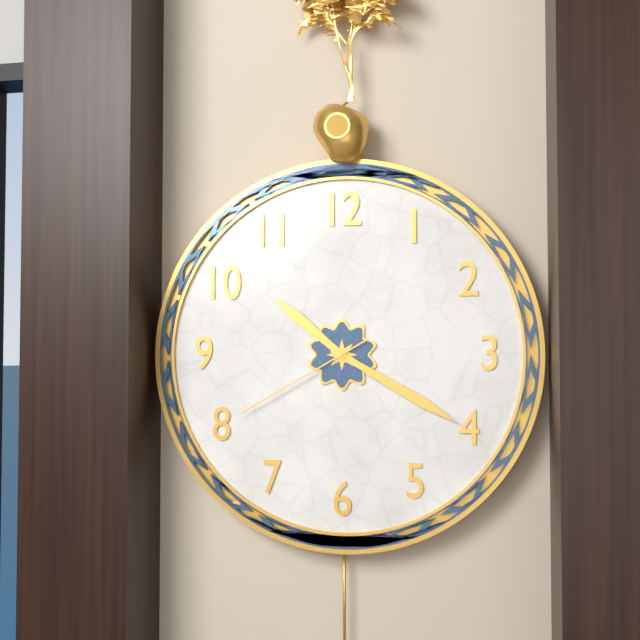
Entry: h=10 m=20 s=40
